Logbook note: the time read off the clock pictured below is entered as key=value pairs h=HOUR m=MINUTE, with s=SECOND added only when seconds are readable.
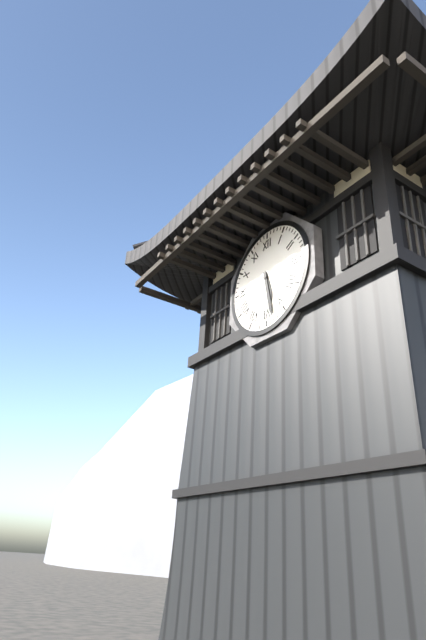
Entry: h=5 m=28
